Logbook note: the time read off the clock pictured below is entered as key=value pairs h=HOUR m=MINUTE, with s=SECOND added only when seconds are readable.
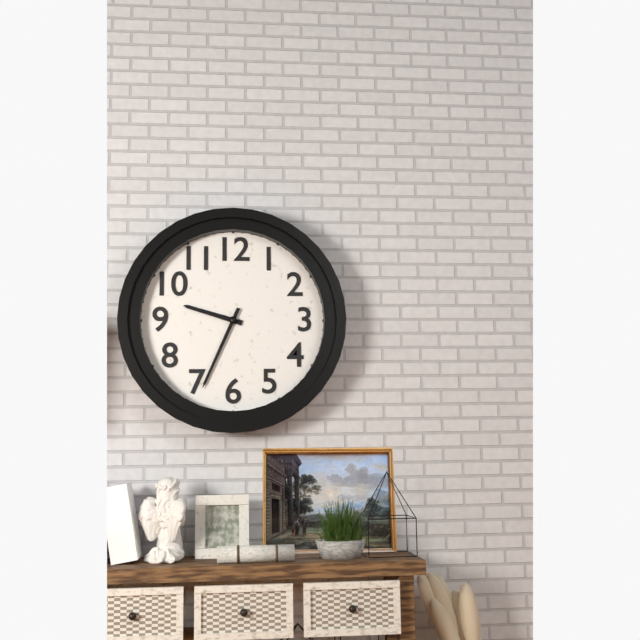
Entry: h=9 m=34
